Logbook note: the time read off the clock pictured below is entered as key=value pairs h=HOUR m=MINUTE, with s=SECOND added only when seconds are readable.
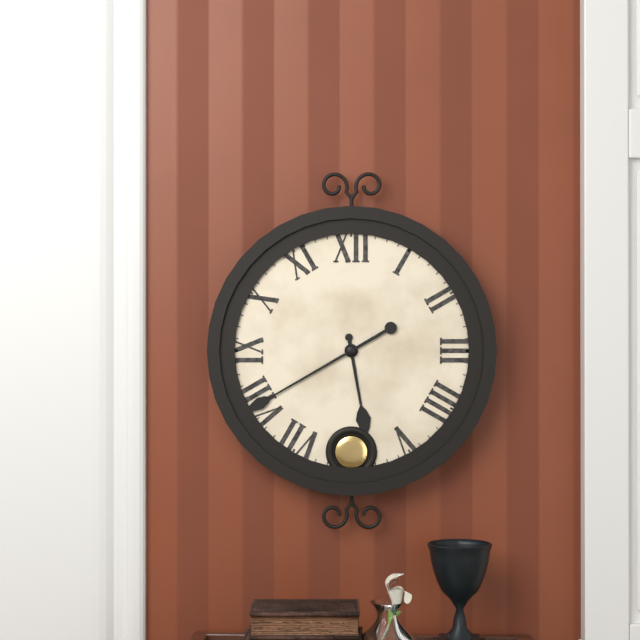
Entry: h=5 m=40
